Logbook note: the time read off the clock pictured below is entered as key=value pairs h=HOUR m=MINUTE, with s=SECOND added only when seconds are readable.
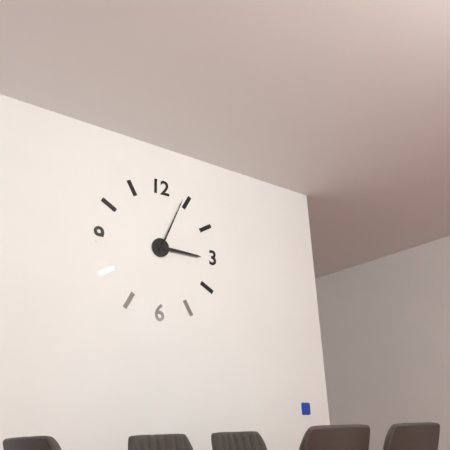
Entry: h=3 m=4
